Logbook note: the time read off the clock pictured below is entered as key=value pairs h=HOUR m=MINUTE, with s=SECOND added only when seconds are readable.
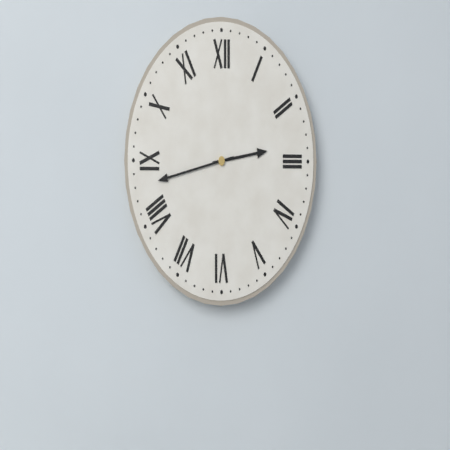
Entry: h=2 m=43
